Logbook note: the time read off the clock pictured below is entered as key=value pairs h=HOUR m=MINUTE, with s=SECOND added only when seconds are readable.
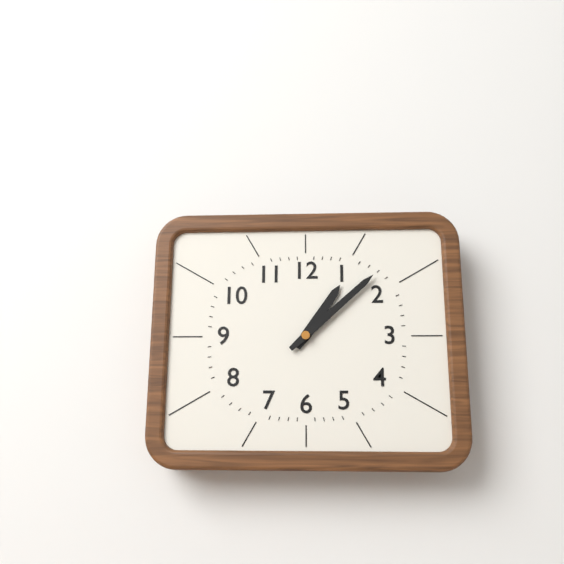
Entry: h=1 m=8
